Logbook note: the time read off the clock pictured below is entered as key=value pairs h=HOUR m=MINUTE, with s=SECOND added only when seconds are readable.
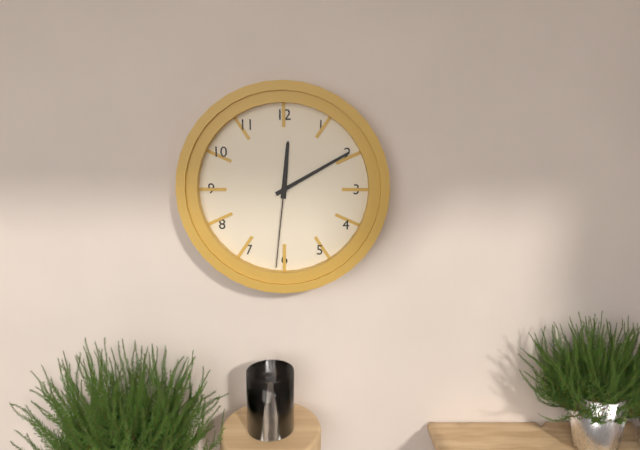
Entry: h=12 m=10 s=31
